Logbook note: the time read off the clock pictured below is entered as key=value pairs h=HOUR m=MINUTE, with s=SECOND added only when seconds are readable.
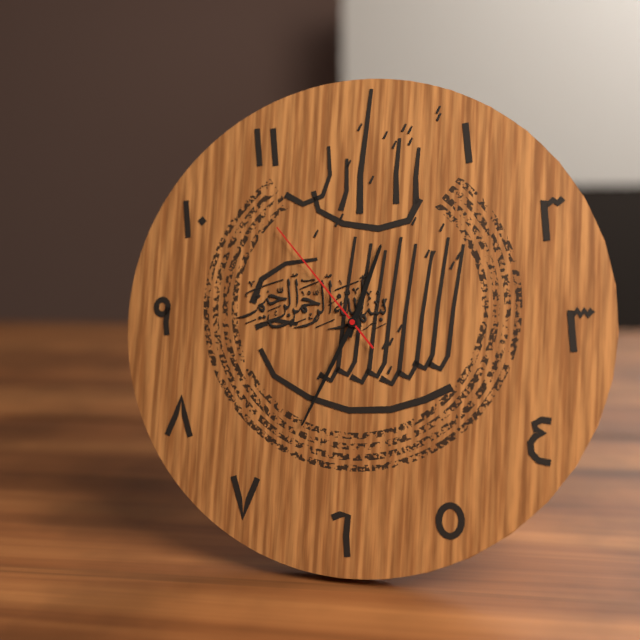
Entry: h=12 m=34 s=53
